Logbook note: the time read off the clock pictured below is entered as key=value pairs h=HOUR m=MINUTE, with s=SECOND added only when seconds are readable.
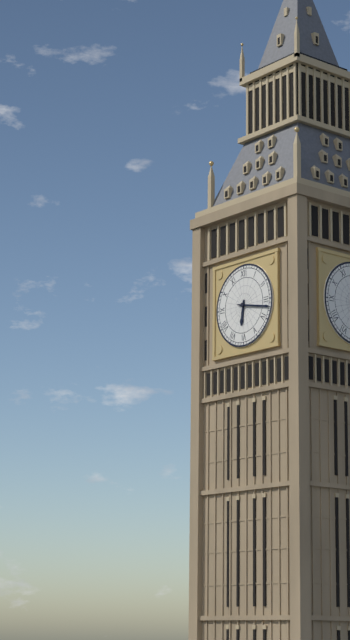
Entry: h=6 m=17
